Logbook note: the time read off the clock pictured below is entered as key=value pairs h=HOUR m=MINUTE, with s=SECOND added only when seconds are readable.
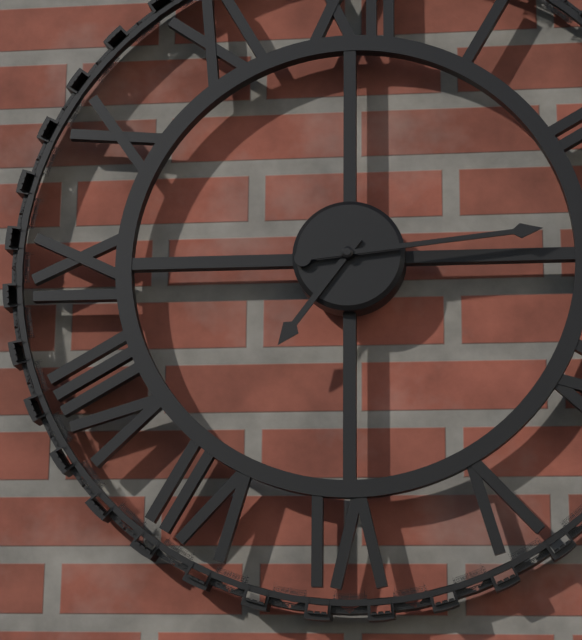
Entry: h=7 m=14
